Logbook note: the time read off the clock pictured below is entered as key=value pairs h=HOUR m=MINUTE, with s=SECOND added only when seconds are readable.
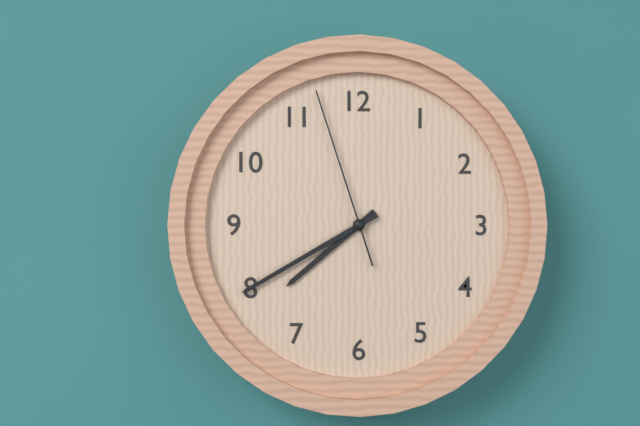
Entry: h=7 m=40 s=57
